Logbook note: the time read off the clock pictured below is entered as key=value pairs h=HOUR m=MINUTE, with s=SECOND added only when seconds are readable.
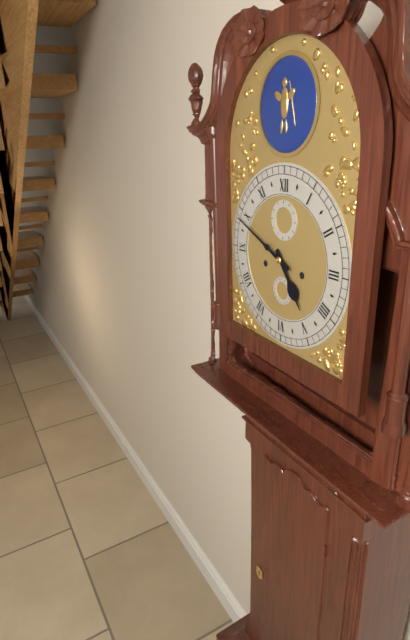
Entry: h=4 m=49
